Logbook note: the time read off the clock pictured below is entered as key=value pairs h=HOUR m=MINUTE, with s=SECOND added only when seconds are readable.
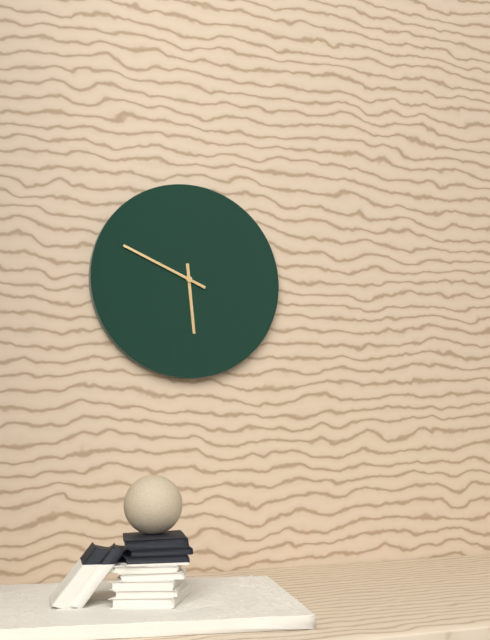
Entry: h=5 m=49
